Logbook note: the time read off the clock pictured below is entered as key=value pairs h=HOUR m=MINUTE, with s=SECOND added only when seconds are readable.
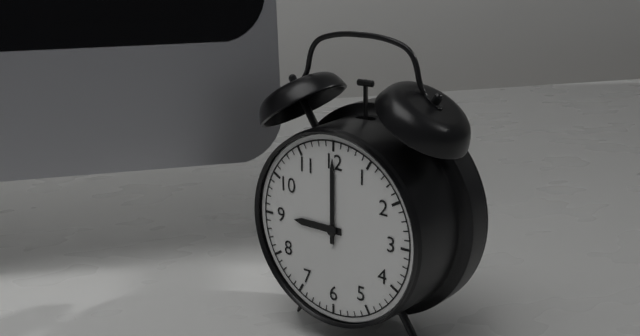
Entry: h=9 m=0
